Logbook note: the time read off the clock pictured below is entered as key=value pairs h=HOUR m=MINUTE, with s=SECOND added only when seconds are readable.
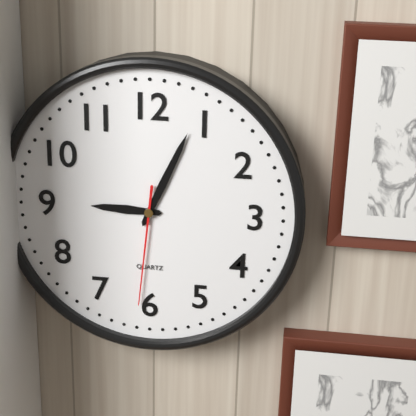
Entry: h=9 m=4 s=31
